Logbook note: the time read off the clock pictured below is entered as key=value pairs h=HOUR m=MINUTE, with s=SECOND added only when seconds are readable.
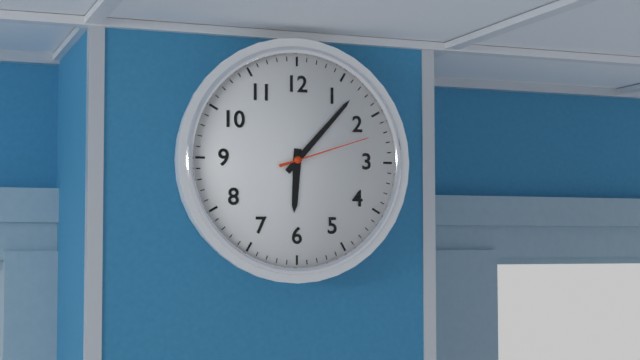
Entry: h=6 m=7 s=12
